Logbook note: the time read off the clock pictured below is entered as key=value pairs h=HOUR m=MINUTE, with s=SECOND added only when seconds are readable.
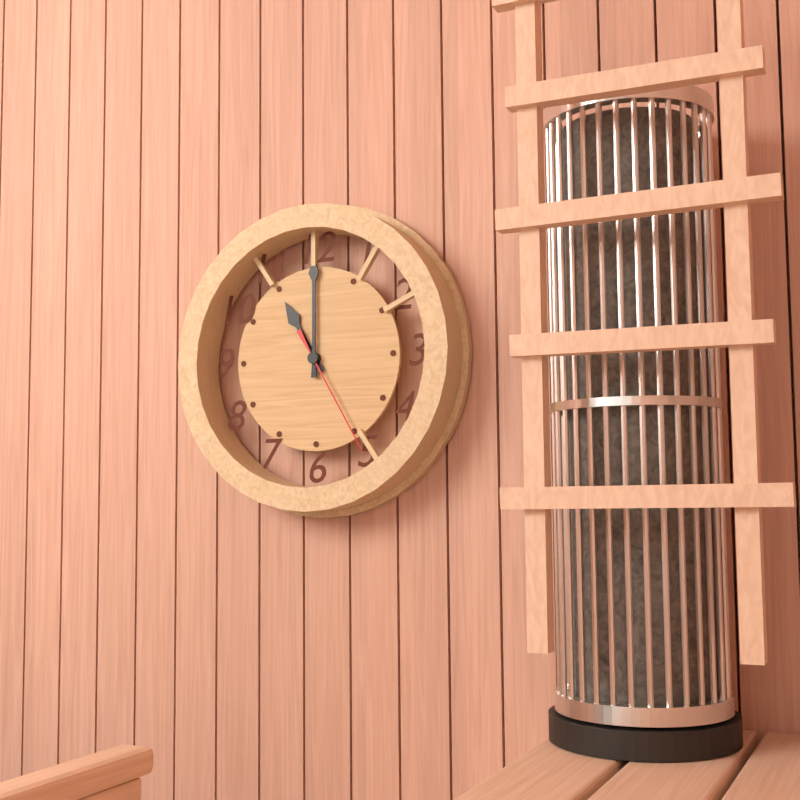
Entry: h=11 m=0 s=25
